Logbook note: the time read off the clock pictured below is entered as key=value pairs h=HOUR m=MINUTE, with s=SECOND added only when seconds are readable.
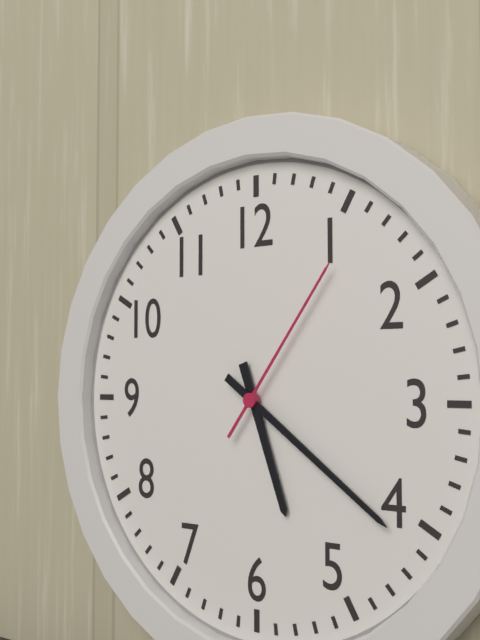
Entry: h=5 m=21 s=6
